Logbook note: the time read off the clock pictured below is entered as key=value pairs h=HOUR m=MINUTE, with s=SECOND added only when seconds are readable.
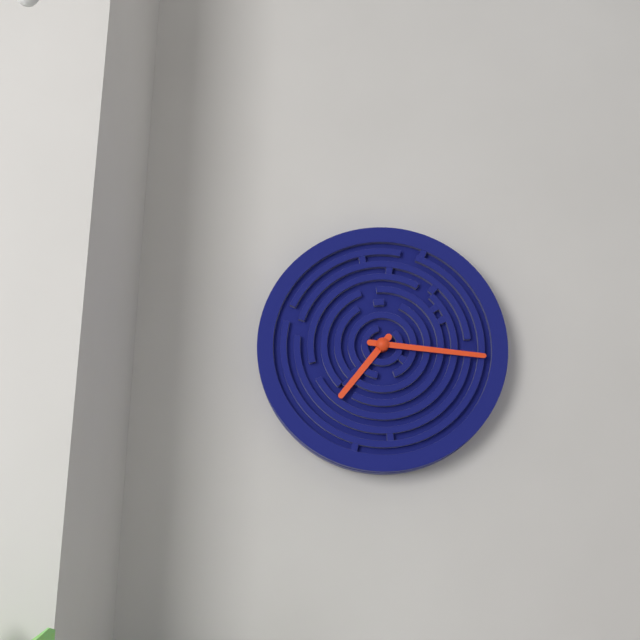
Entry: h=7 m=16
